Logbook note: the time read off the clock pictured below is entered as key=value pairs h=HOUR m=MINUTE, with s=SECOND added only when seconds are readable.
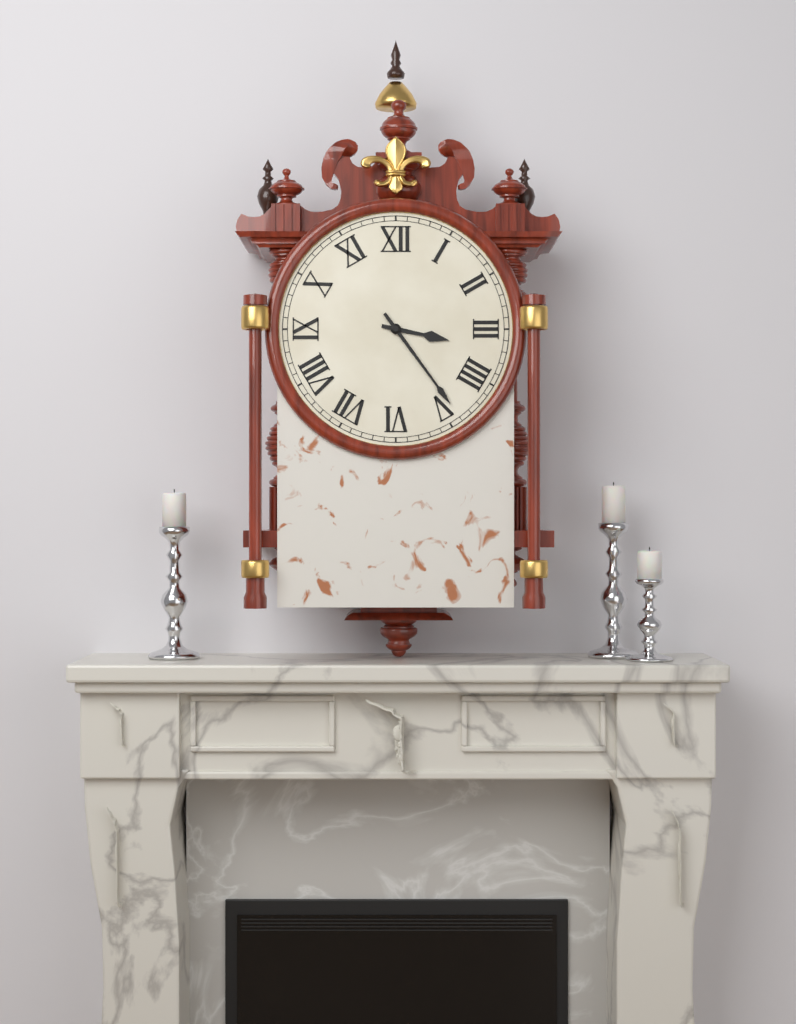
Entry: h=3 m=24
